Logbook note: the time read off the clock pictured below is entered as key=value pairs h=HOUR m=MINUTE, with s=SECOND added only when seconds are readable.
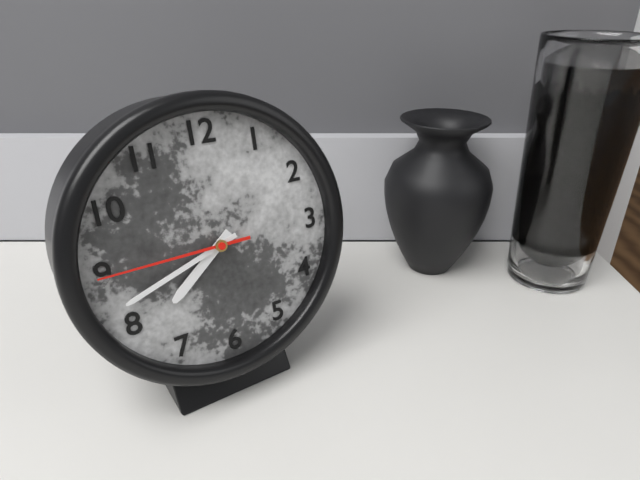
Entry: h=7 m=42 s=45
